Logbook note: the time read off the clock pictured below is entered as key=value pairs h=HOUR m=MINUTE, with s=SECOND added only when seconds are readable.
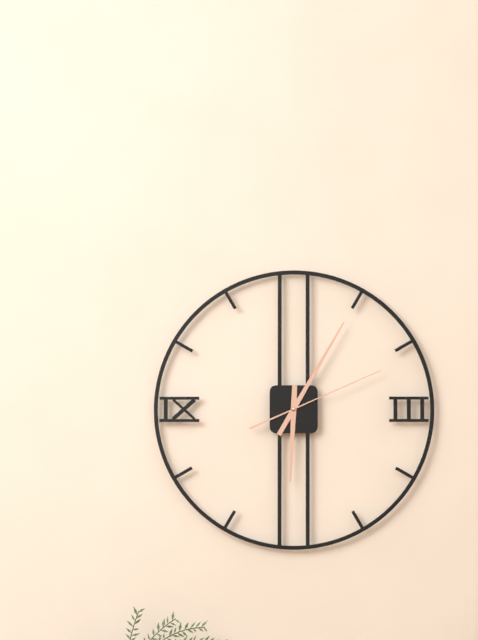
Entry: h=6 m=5 s=11
